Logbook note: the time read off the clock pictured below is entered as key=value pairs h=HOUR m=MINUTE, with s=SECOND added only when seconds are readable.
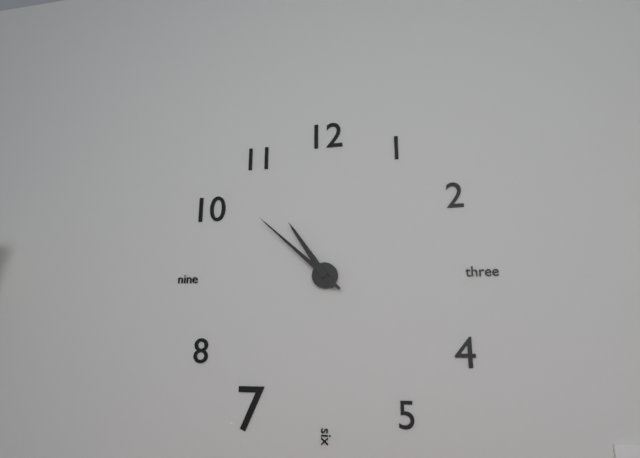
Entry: h=10 m=52
